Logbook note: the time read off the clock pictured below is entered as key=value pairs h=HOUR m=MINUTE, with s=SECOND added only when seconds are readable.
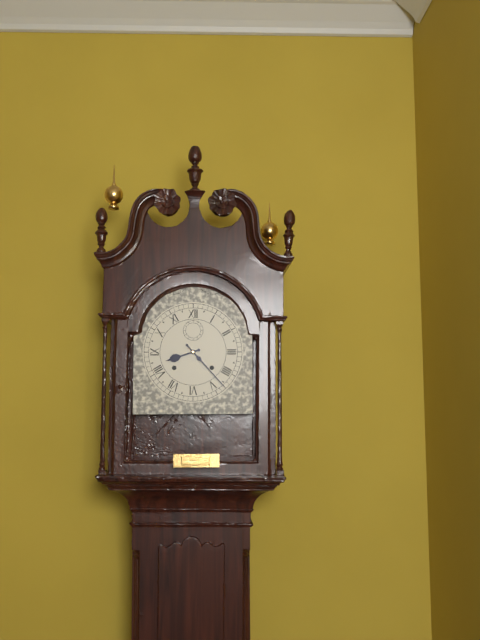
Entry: h=8 m=23
